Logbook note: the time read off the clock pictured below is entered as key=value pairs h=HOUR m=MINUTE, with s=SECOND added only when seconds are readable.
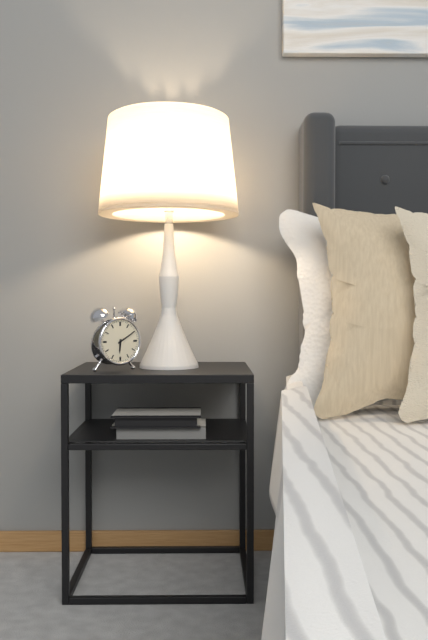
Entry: h=6 m=10
